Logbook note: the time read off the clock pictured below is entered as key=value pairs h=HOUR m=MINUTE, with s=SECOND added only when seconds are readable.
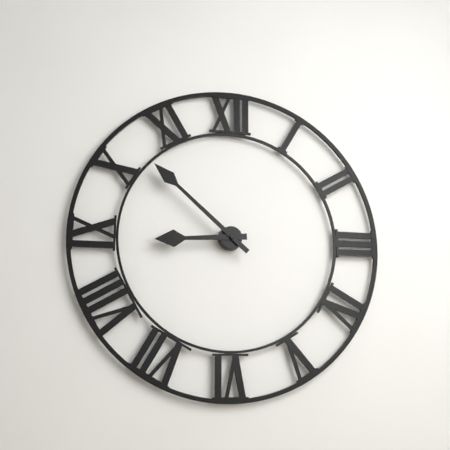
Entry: h=8 m=52
